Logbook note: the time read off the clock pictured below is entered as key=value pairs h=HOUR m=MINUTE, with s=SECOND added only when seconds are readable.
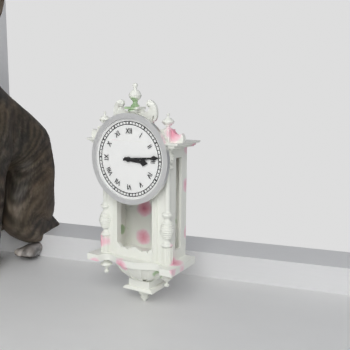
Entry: h=3 m=14
